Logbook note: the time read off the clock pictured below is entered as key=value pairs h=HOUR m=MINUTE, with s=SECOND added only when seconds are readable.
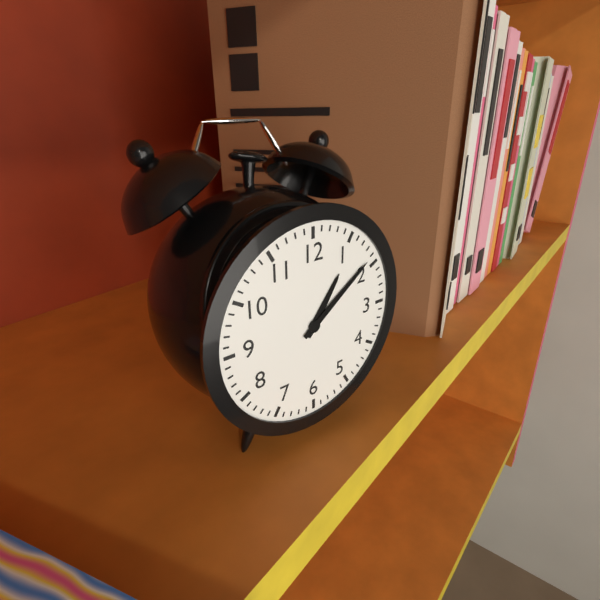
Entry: h=1 m=9
